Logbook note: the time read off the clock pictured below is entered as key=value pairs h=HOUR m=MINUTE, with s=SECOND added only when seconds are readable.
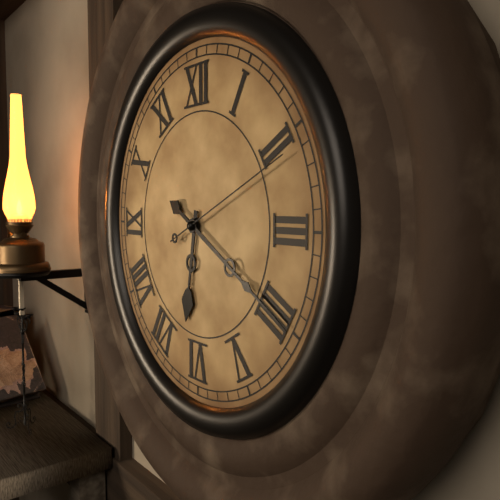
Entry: h=6 m=20 s=11
